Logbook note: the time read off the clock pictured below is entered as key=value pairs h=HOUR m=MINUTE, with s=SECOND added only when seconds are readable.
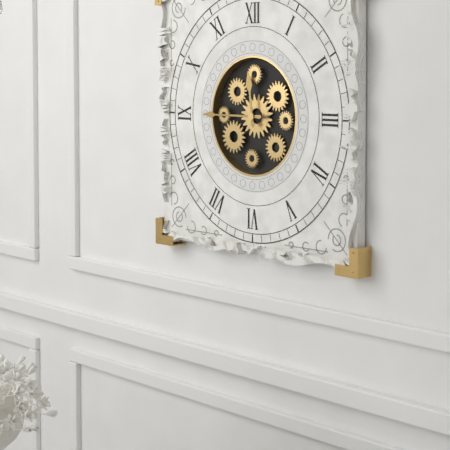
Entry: h=11 m=45
